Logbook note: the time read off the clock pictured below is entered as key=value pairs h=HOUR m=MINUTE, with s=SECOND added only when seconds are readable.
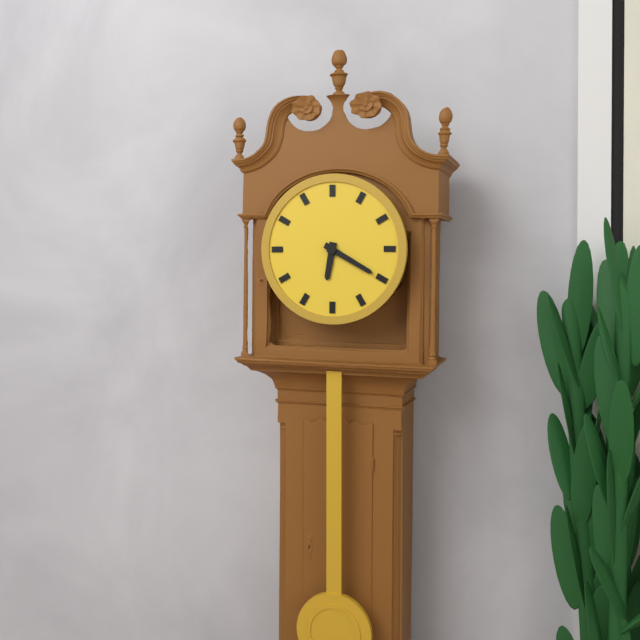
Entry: h=6 m=20
